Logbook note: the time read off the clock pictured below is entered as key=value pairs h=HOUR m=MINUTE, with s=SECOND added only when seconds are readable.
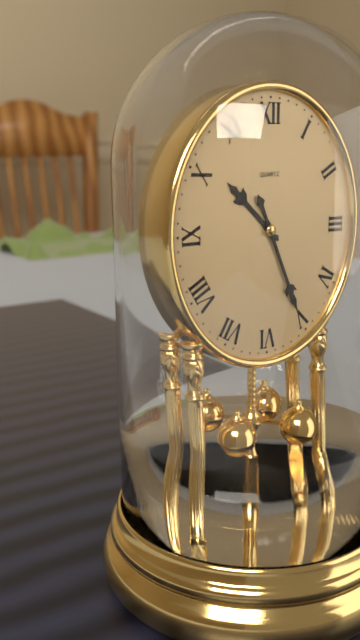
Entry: h=10 m=26
